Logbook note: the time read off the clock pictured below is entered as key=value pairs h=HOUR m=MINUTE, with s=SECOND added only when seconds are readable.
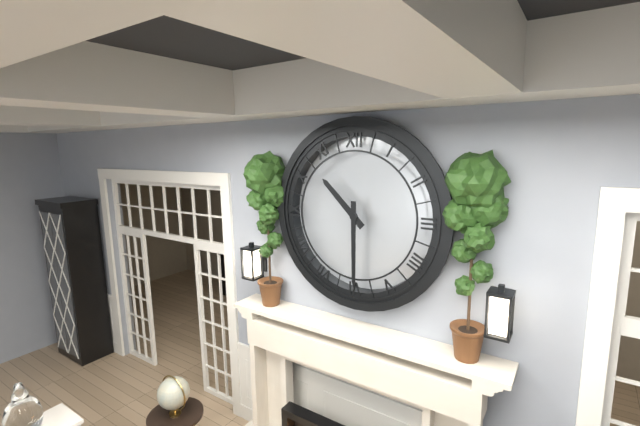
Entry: h=10 m=30
